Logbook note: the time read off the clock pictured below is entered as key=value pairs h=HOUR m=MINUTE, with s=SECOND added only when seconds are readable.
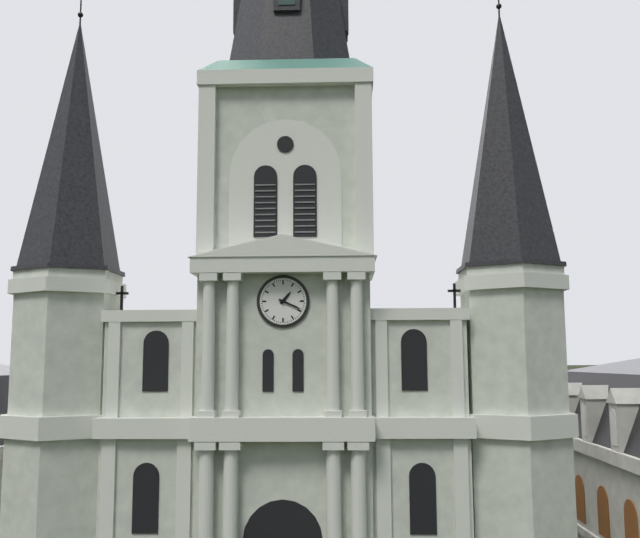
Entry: h=1 m=19
